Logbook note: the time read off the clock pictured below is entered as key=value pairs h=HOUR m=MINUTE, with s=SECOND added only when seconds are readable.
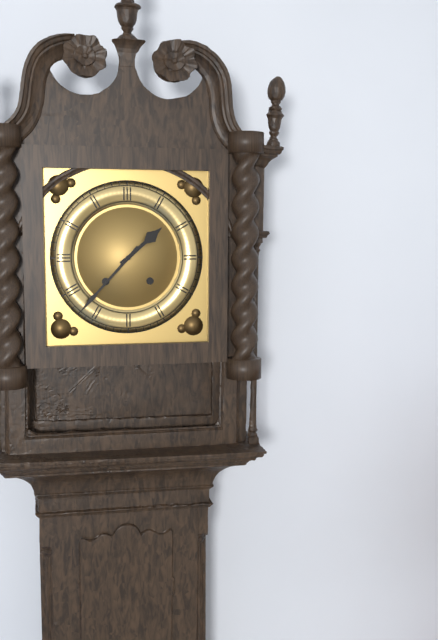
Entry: h=1 m=37
